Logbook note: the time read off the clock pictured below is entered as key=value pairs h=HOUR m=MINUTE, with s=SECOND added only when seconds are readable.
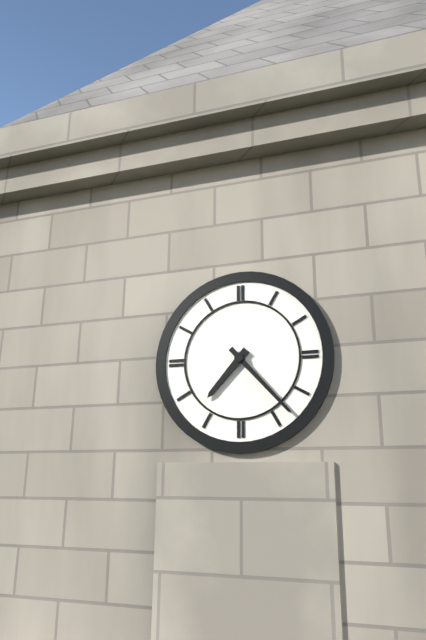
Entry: h=7 m=23
